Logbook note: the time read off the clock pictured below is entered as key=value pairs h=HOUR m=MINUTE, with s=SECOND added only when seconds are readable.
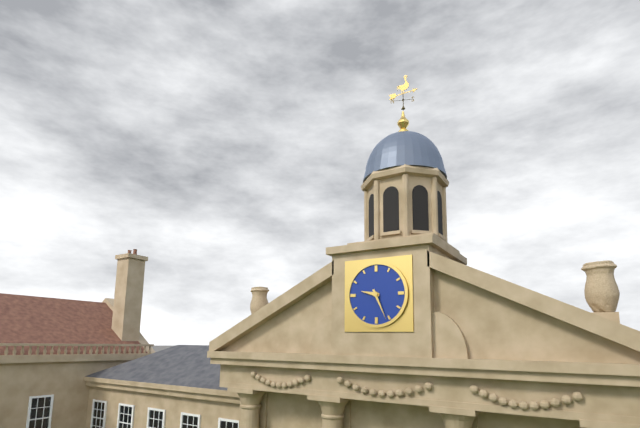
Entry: h=9 m=26
